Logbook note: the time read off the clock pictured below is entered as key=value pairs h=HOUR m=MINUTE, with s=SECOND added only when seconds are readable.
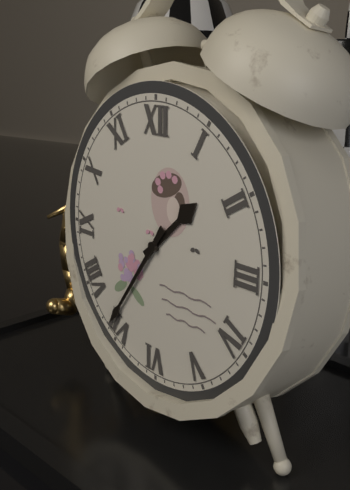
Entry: h=1 m=36
